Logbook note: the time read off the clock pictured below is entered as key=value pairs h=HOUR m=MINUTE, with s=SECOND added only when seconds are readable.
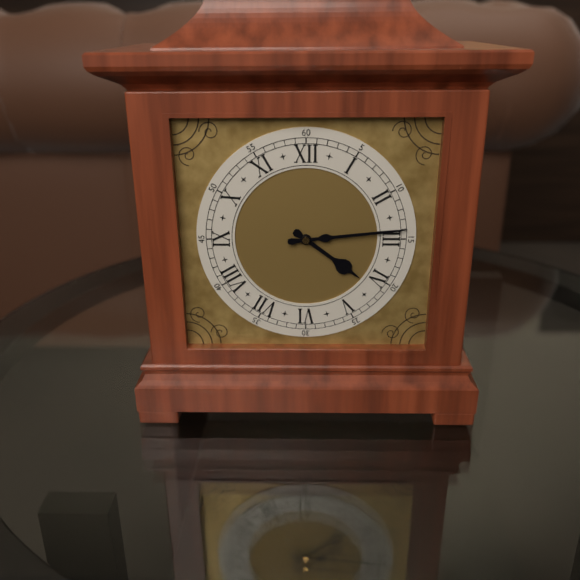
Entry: h=4 m=14
